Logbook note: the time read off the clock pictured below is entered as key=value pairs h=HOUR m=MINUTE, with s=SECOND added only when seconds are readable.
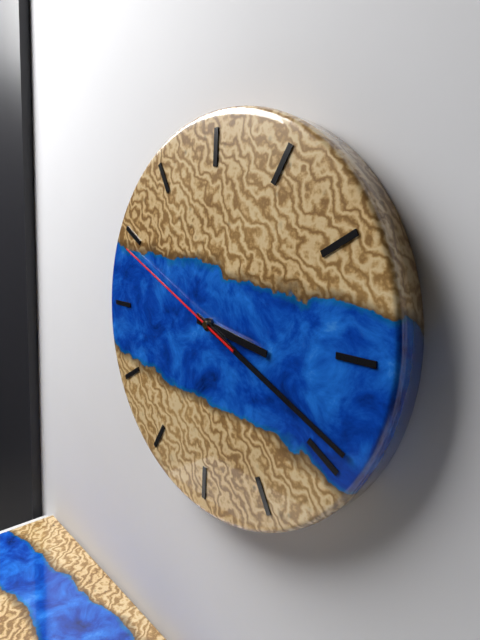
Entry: h=3 m=19 s=49
